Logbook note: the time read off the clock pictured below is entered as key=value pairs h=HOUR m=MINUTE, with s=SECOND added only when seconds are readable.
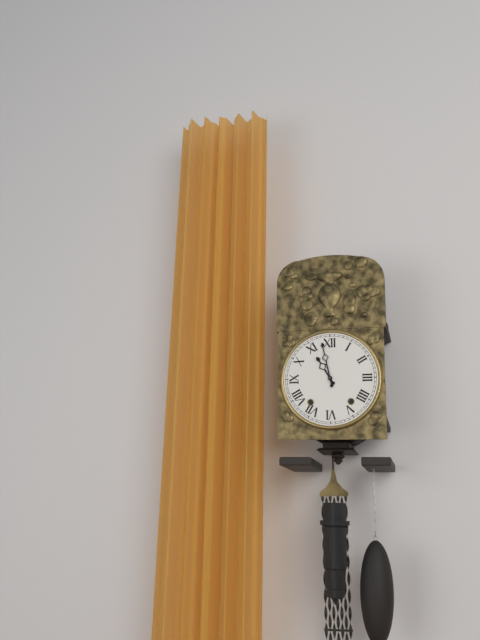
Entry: h=10 m=58
